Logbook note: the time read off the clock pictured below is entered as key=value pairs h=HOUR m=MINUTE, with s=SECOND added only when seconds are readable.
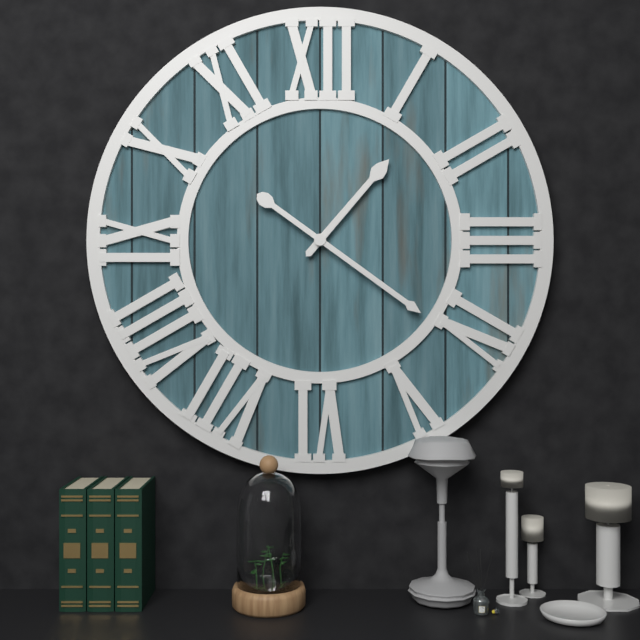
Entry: h=1 m=21
